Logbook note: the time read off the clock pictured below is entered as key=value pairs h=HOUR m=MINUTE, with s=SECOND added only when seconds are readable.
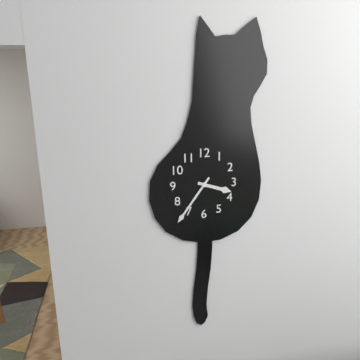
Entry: h=3 m=36
